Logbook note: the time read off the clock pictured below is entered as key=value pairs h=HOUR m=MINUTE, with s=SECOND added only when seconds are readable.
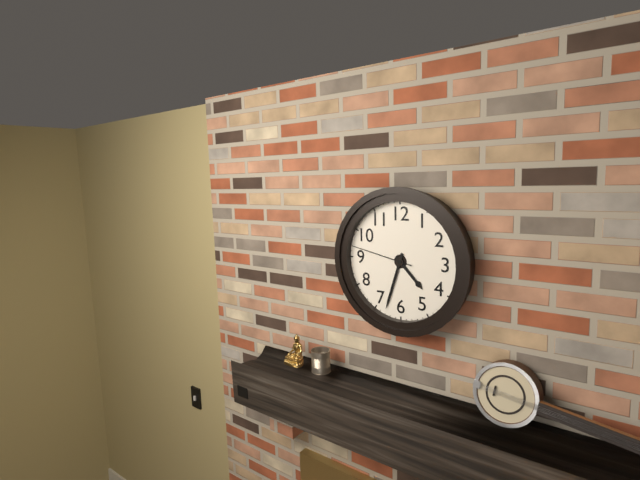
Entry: h=4 m=33 s=47
